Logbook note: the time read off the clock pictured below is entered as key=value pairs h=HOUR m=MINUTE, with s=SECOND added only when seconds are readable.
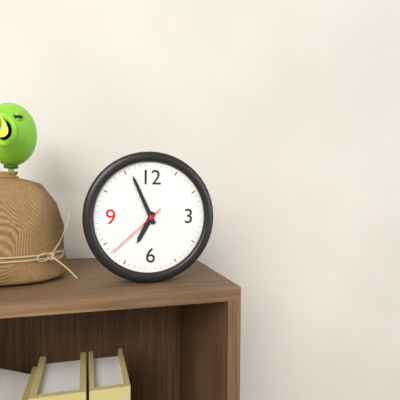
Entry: h=6 m=56 s=38
